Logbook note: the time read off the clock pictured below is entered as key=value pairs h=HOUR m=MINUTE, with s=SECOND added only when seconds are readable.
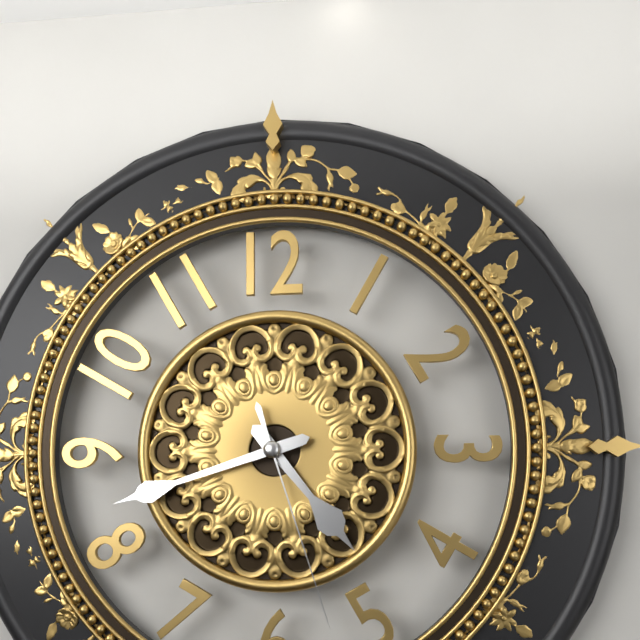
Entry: h=4 m=42 s=27
